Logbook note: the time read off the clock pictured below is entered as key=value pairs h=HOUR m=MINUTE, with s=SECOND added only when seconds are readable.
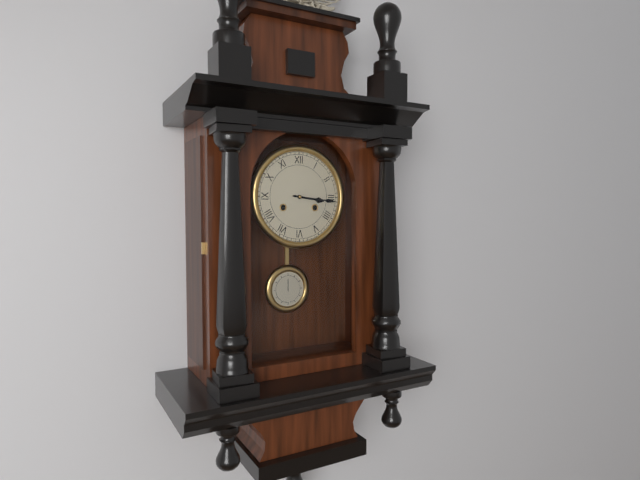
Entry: h=3 m=16
